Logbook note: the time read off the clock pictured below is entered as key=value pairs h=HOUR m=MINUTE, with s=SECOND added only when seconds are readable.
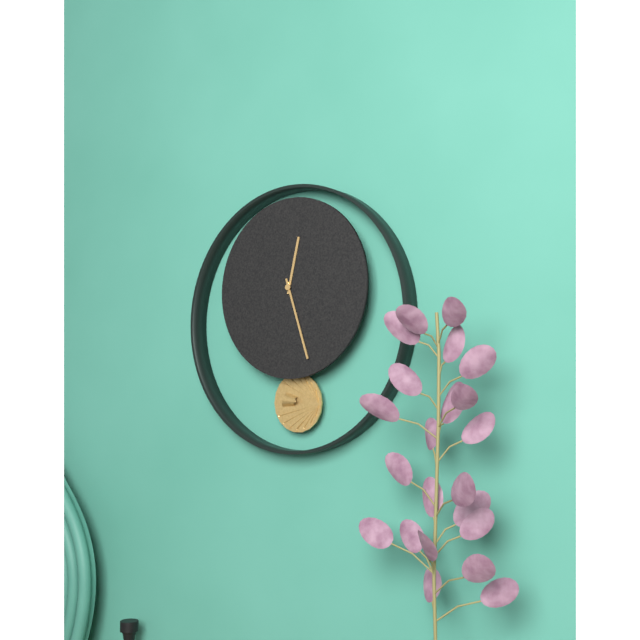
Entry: h=12 m=27
